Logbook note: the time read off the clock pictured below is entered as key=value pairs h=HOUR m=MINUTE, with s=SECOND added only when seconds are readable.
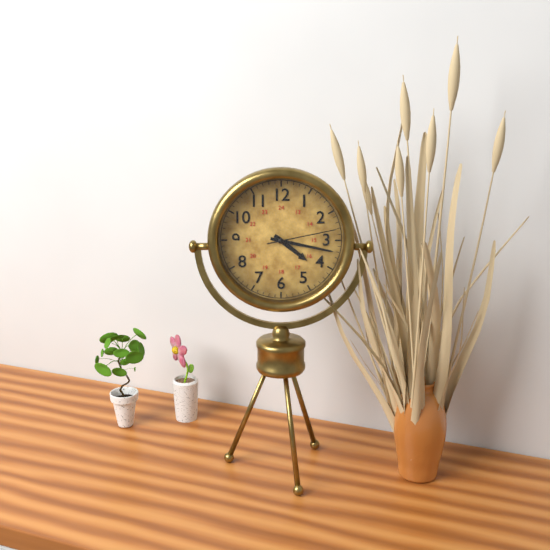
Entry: h=4 m=17 s=13
